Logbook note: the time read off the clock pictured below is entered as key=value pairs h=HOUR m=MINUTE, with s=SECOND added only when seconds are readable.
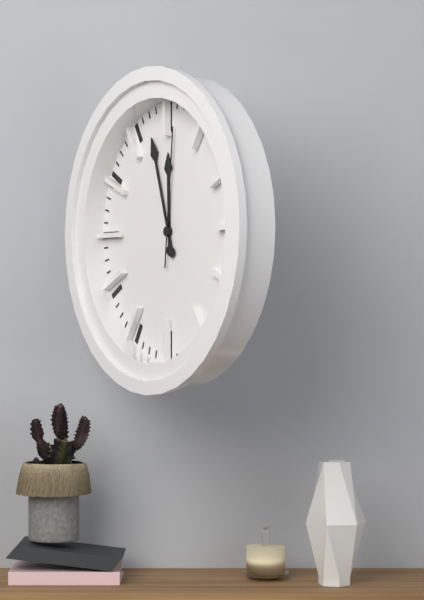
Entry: h=11 m=57 s=1
